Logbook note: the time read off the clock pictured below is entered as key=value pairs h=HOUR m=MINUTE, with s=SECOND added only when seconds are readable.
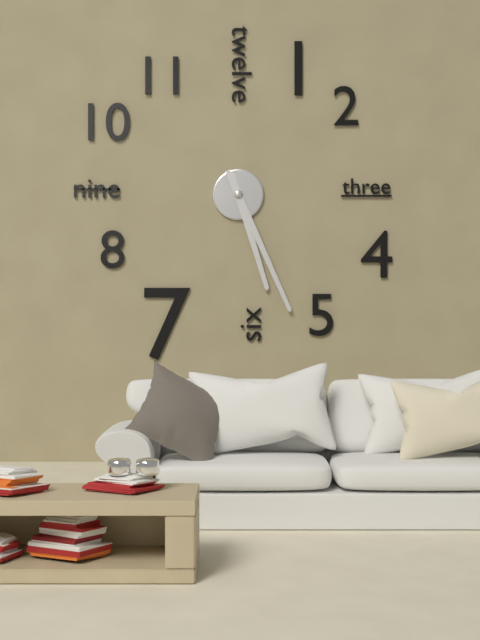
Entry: h=5 m=26
